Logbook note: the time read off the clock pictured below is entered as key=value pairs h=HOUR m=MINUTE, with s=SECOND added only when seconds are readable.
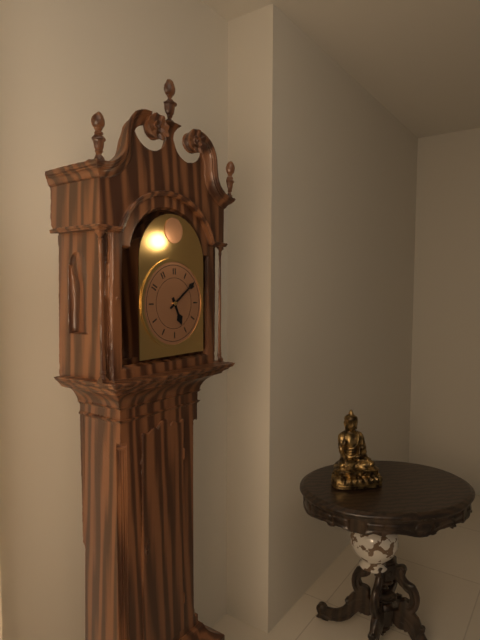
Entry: h=5 m=9
